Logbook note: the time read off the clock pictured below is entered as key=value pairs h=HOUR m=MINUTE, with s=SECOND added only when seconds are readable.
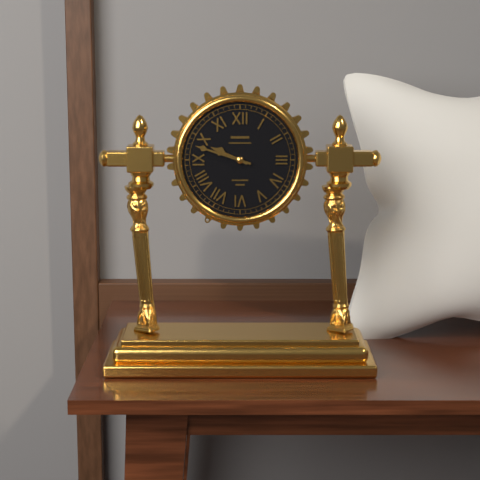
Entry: h=9 m=48
